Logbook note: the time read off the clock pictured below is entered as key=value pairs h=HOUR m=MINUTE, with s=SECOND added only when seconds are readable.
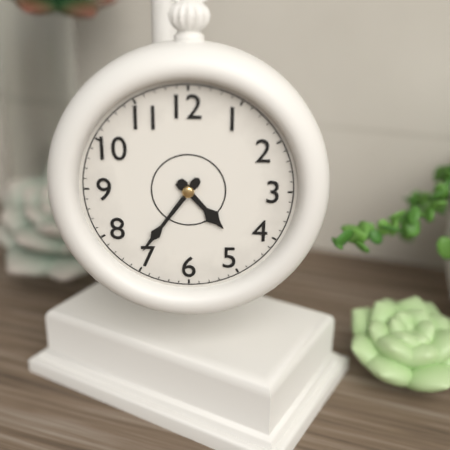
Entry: h=4 m=36
